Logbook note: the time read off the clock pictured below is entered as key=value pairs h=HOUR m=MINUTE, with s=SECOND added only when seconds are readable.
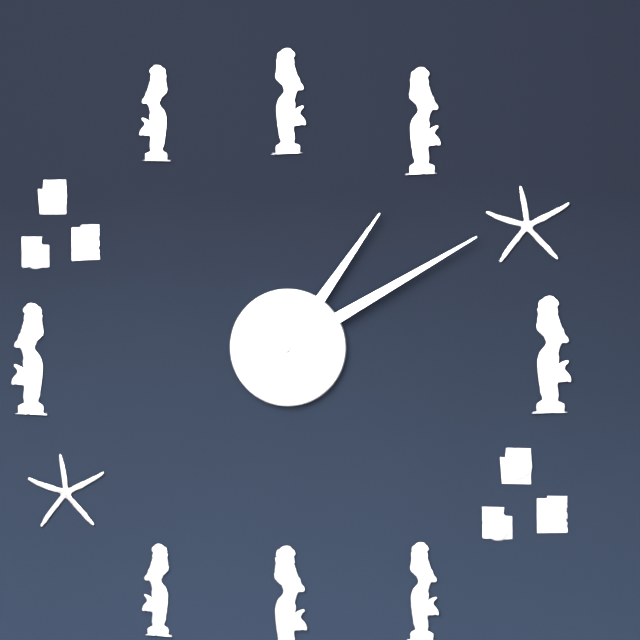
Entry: h=1 m=10
